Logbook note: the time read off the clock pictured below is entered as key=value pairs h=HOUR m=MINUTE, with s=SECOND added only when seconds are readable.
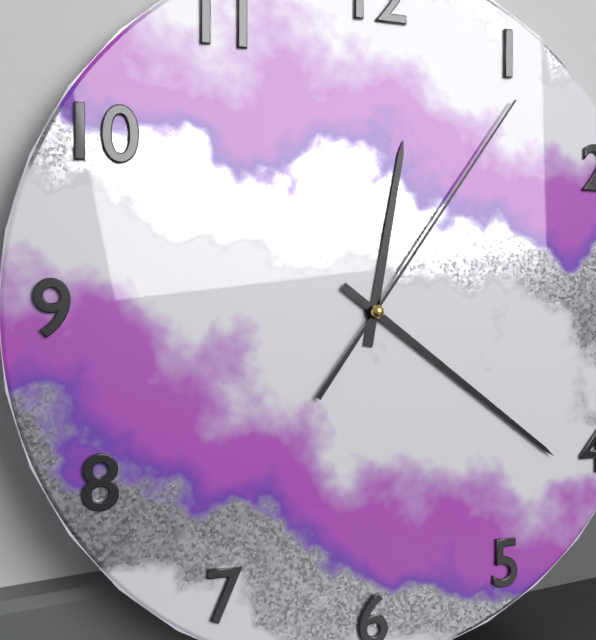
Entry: h=12 m=21 s=6
